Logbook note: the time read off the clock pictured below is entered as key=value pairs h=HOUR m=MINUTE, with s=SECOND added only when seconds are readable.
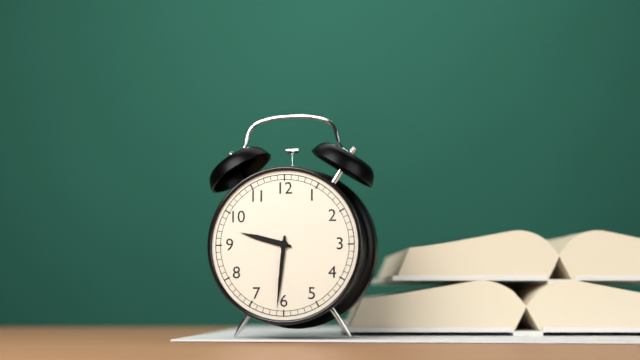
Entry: h=9 m=31
